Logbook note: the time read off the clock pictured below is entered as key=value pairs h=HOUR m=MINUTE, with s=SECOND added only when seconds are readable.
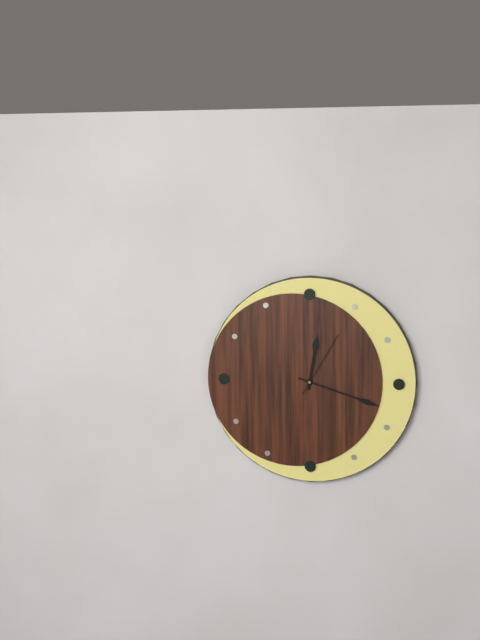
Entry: h=12 m=18 s=5
